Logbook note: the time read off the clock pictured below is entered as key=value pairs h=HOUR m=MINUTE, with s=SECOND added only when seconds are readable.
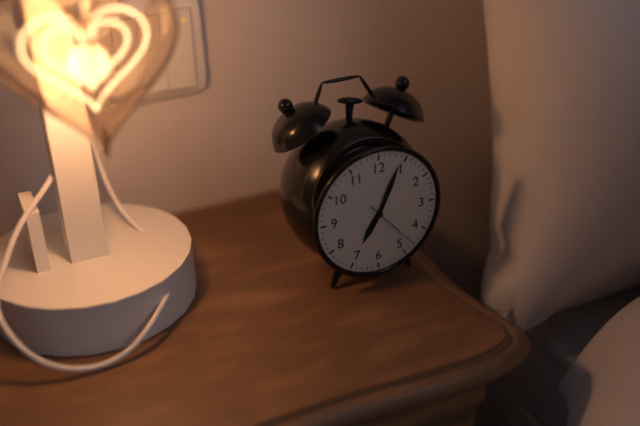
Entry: h=7 m=4 s=23
